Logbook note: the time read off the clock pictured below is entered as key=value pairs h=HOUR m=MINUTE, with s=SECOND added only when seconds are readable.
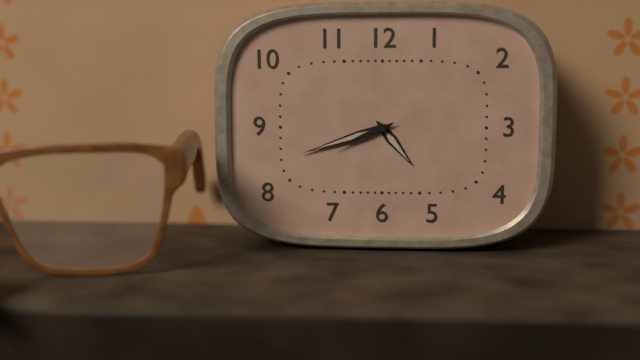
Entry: h=4 m=42 s=41
